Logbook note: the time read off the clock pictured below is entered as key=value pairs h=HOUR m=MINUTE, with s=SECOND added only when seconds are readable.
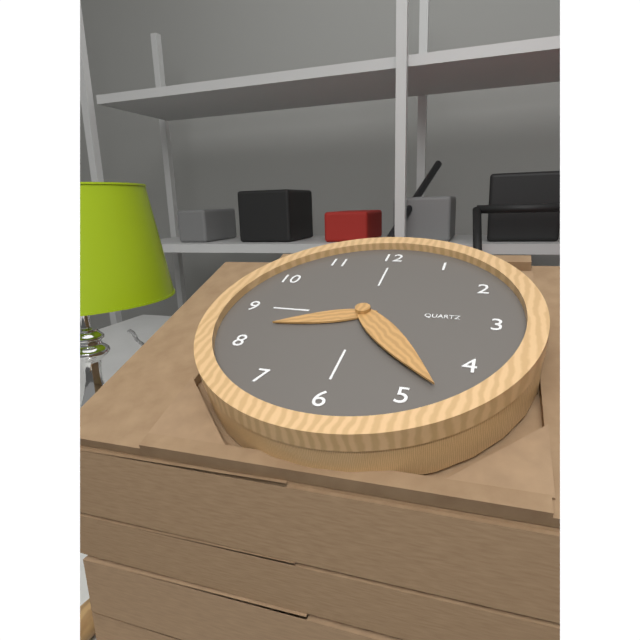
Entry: h=8 m=23
